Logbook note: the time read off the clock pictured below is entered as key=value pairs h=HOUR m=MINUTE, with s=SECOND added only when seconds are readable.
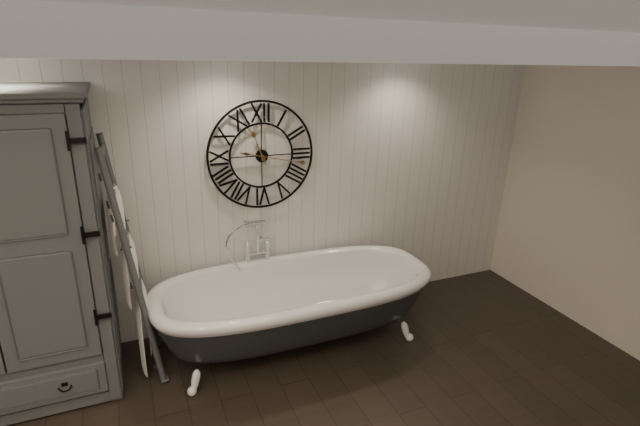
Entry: h=11 m=17
